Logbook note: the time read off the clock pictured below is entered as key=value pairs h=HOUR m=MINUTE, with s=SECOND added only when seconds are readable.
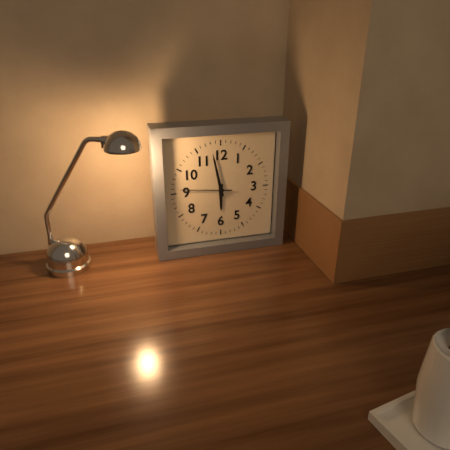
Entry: h=5 m=58 s=46
